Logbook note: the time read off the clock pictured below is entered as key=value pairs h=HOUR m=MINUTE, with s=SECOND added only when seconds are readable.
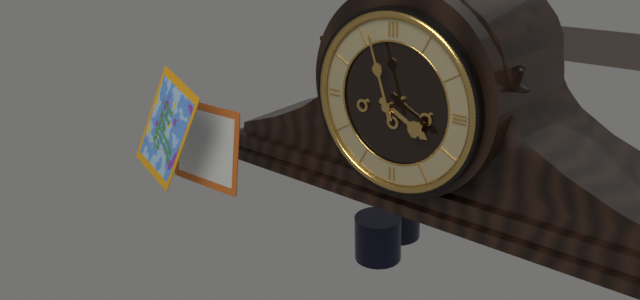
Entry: h=3 m=57
